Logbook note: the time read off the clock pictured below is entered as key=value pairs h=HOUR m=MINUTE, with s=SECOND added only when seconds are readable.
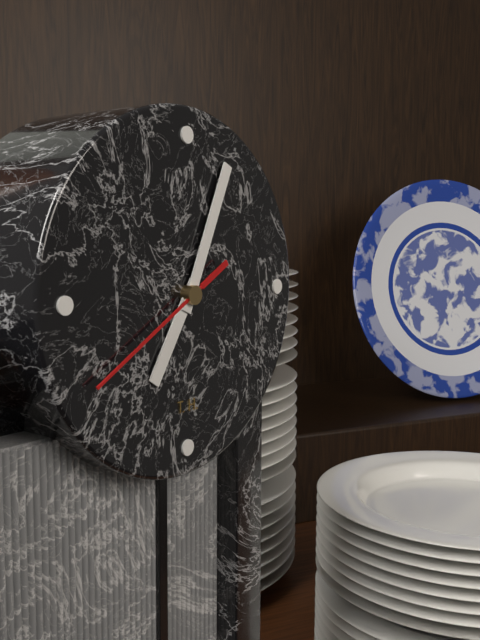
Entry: h=7 m=4 s=40
